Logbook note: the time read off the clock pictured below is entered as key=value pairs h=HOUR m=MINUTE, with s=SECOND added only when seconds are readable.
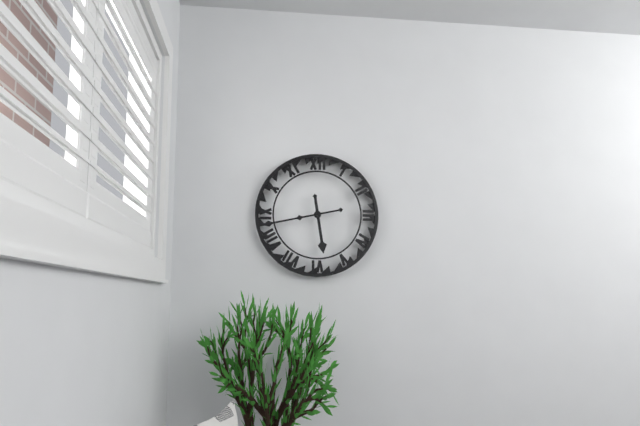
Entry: h=5 m=43
